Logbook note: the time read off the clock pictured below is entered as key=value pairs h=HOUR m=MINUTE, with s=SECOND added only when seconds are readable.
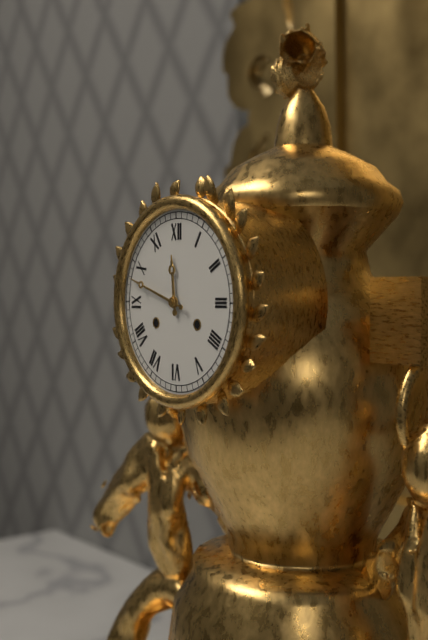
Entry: h=11 m=48
